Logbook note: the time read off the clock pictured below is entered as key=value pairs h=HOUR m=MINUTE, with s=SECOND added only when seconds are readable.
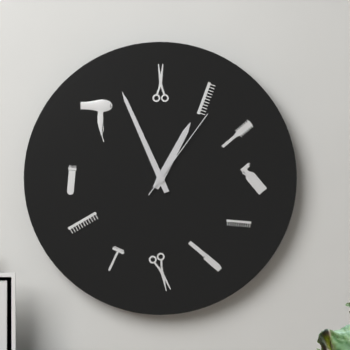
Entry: h=12 m=56 s=6
